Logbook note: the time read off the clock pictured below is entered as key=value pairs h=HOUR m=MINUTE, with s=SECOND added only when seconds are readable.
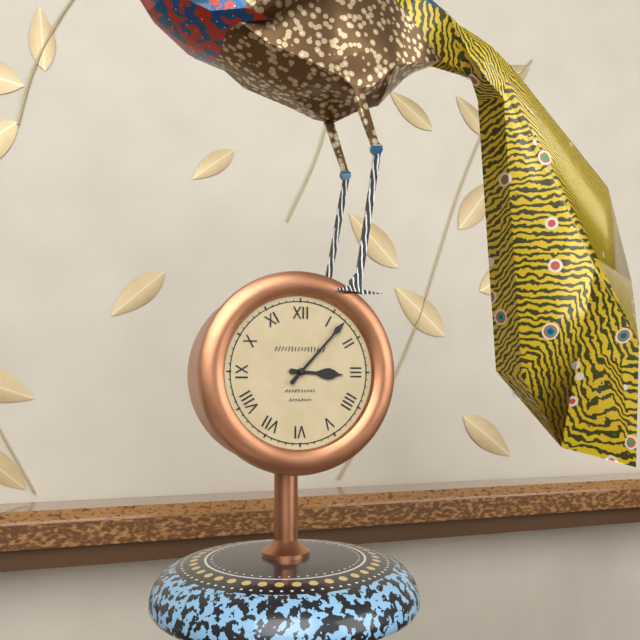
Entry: h=3 m=7
